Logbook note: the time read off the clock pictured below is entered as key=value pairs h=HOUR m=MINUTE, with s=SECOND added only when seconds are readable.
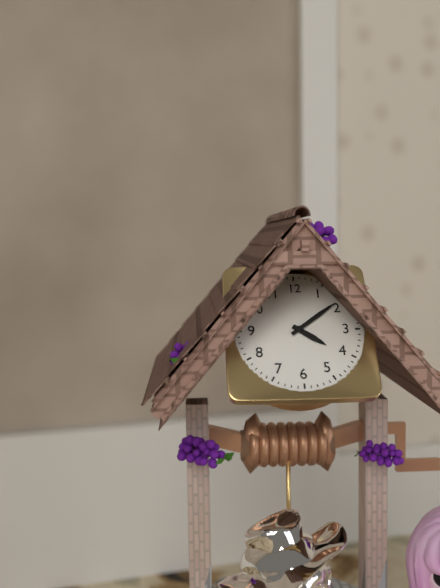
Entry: h=4 m=9
